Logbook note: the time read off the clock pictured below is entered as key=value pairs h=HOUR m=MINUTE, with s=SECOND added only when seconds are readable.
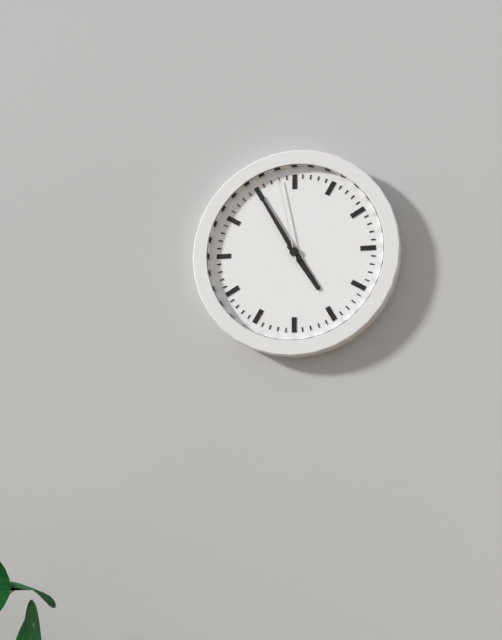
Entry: h=4 m=55 s=58
